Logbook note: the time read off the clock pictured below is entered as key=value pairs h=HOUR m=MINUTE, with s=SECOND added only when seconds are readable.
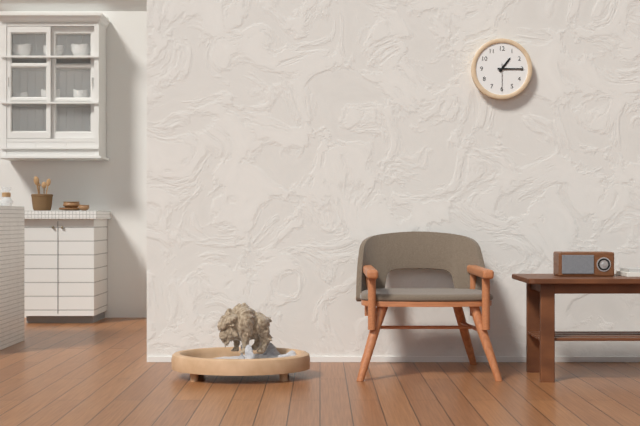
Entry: h=1 m=15
